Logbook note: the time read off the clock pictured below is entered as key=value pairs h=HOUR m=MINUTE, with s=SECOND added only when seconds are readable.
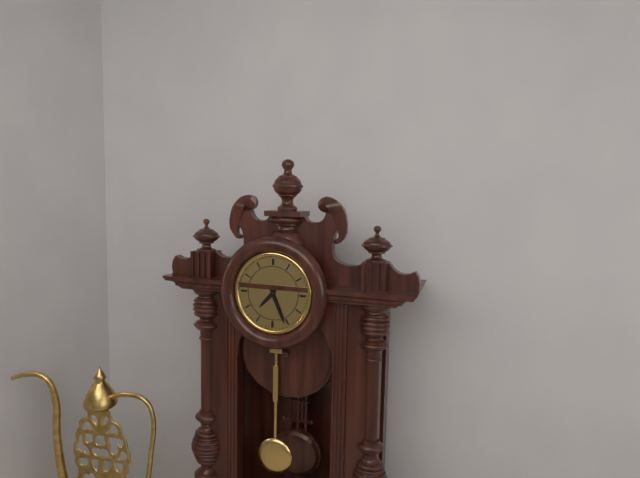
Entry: h=7 m=26
